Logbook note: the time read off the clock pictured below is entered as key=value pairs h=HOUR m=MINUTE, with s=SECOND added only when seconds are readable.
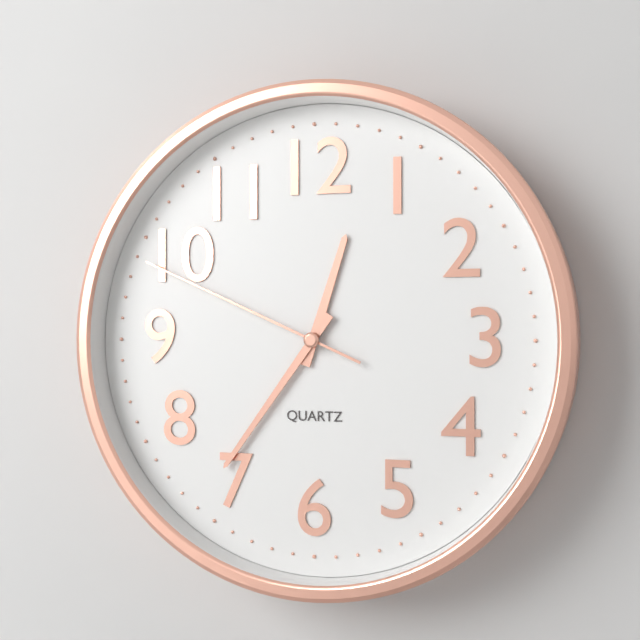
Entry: h=12 m=36 s=49
